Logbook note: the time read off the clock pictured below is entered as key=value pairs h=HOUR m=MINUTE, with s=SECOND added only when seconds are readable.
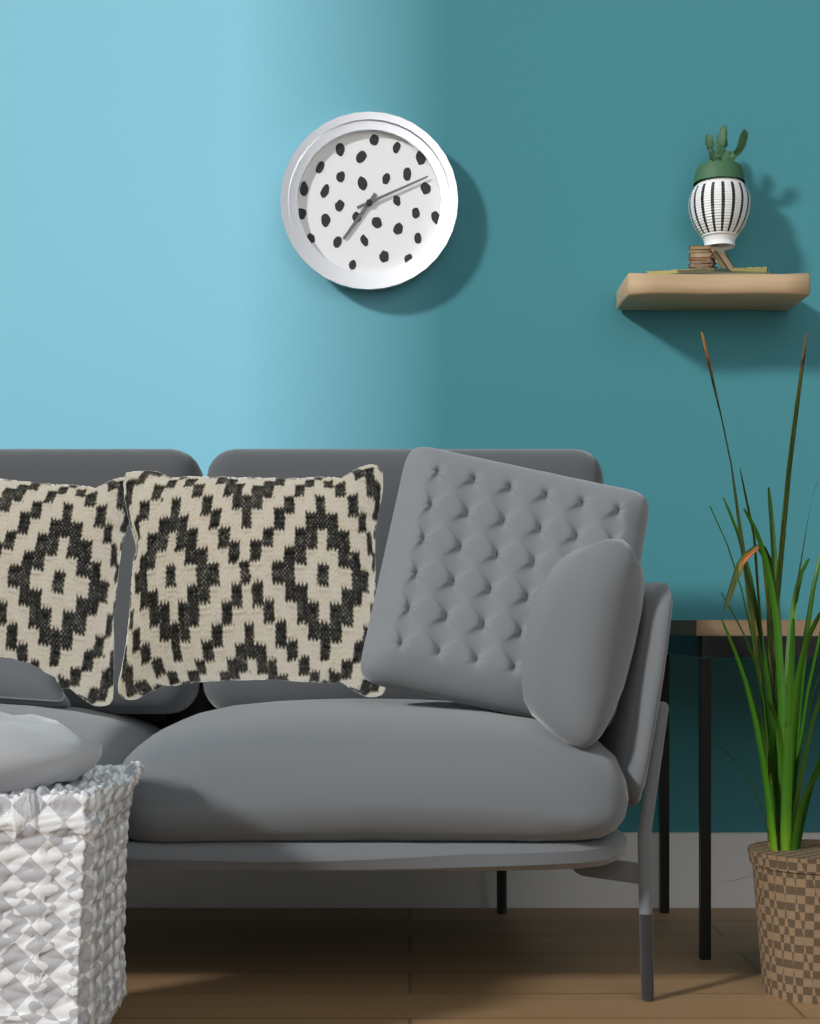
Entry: h=7 m=11
